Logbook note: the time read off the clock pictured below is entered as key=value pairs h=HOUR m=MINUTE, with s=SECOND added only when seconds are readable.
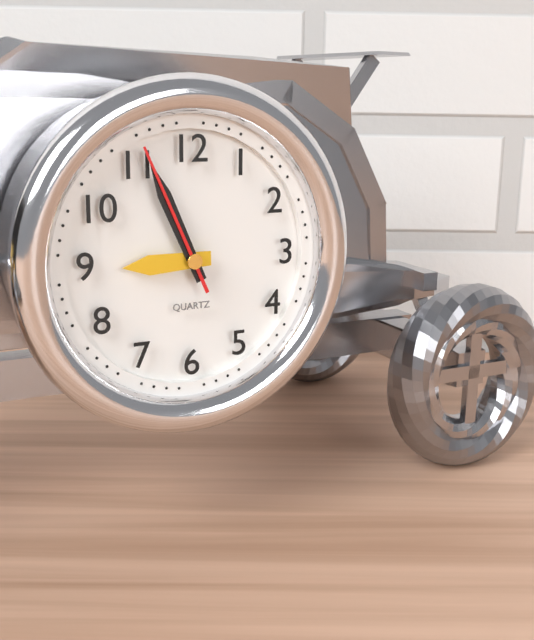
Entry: h=8 m=56 s=56
